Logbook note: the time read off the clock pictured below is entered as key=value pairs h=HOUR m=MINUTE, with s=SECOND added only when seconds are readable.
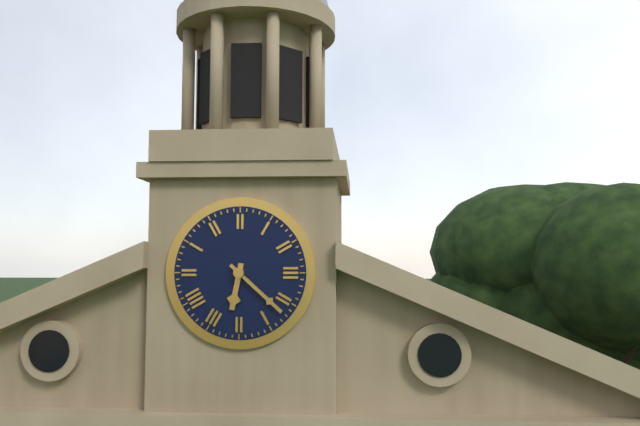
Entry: h=6 m=22
